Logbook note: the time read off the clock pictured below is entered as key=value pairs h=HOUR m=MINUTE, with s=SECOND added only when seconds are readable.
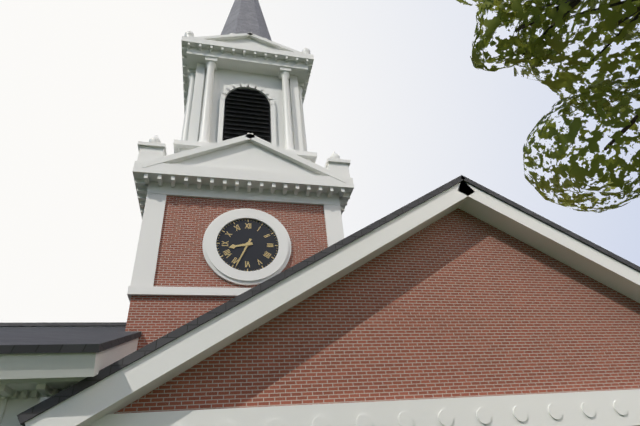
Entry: h=8 m=34
